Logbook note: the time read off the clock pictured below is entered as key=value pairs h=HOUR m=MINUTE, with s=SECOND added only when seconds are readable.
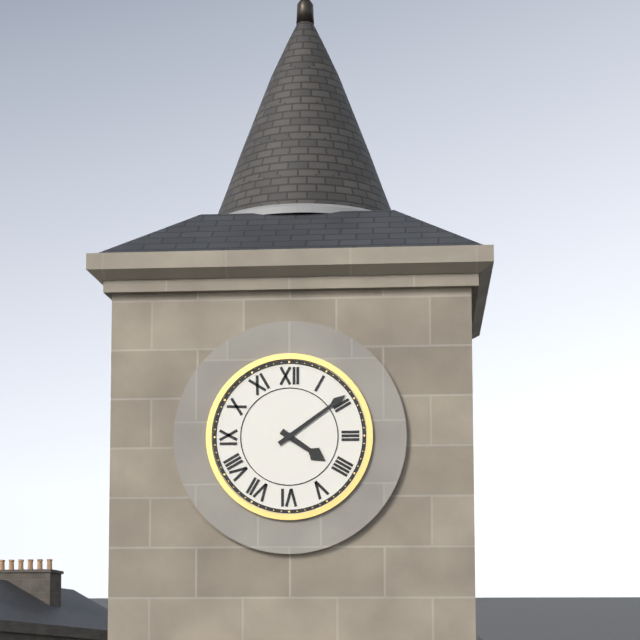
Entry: h=4 m=9
